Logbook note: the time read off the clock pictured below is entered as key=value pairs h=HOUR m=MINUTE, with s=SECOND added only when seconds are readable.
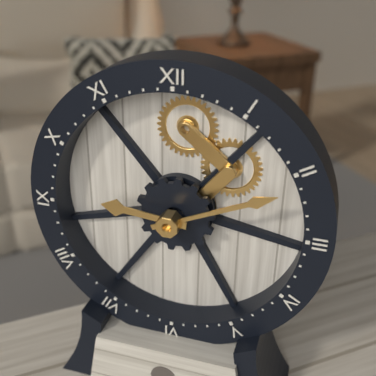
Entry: h=9 m=11
